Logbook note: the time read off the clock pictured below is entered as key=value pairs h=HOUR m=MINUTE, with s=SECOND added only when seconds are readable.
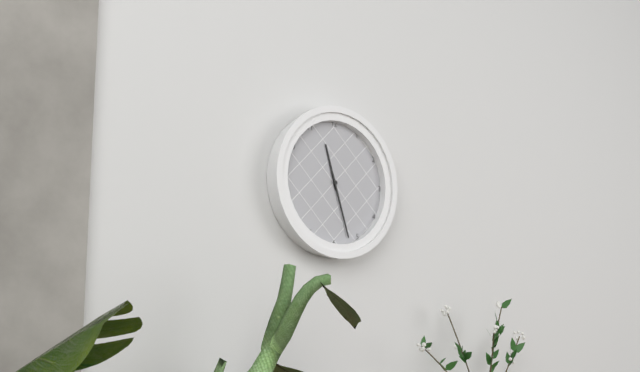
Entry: h=11 m=27
